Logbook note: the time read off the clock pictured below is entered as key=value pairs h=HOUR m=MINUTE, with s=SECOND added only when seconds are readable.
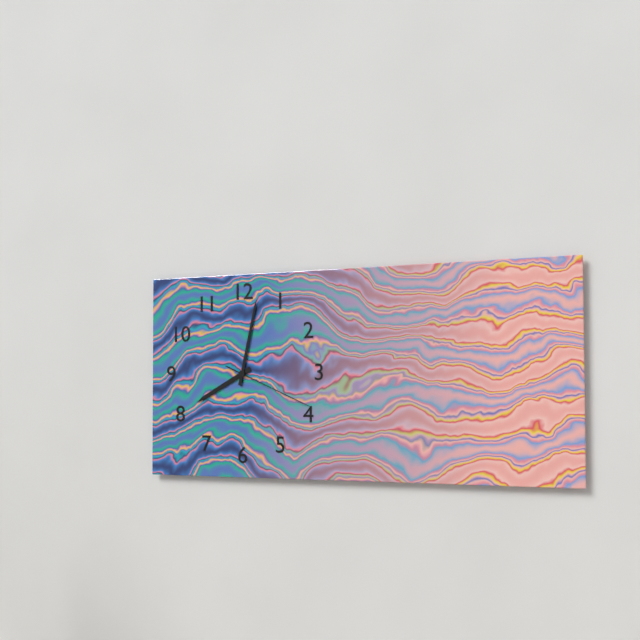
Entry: h=8 m=2 s=19
